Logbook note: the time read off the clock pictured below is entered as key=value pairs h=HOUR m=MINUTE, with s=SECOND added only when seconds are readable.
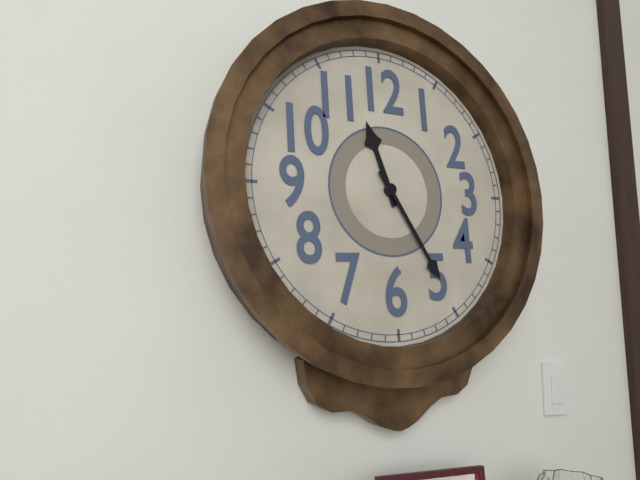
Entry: h=11 m=25
